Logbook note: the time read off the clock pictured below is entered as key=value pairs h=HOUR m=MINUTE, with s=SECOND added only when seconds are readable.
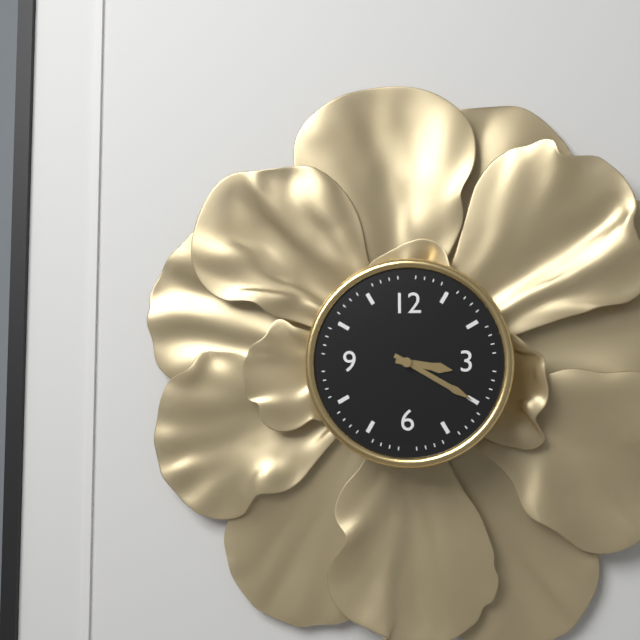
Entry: h=3 m=20
